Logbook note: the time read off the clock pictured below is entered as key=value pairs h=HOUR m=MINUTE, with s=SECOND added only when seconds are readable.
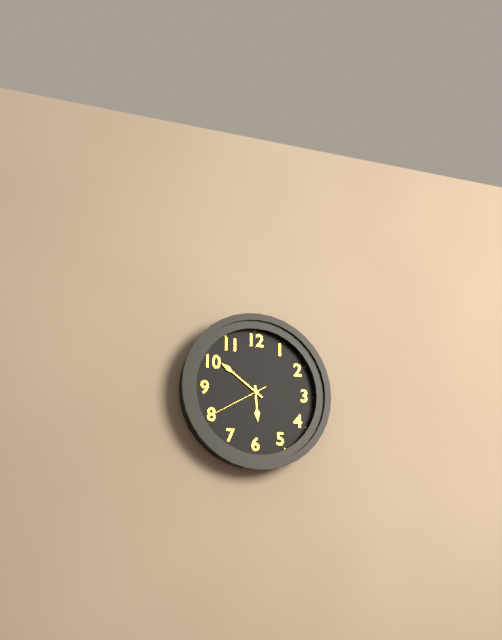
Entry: h=5 m=51 s=40
